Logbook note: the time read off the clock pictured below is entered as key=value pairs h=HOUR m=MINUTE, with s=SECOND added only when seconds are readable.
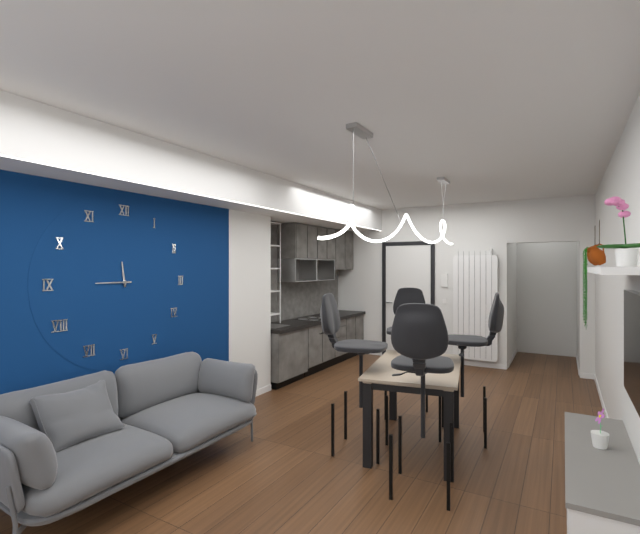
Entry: h=11 m=45
